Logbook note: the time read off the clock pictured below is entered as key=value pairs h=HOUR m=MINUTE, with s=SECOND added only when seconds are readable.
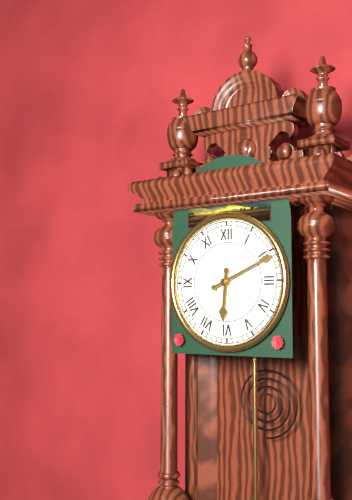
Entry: h=6 m=11
